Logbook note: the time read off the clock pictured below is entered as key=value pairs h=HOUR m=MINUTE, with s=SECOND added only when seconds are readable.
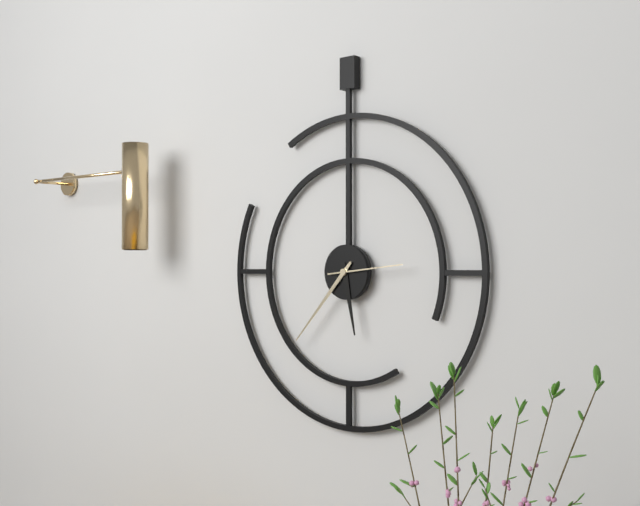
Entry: h=5 m=37 s=14
